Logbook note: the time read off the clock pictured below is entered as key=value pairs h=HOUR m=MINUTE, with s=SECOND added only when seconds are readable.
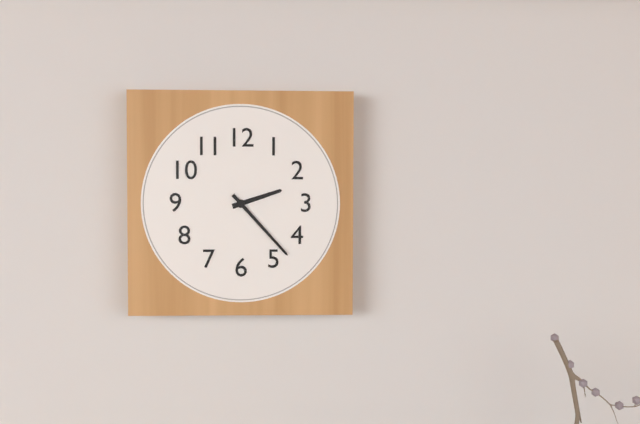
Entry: h=2 m=23
